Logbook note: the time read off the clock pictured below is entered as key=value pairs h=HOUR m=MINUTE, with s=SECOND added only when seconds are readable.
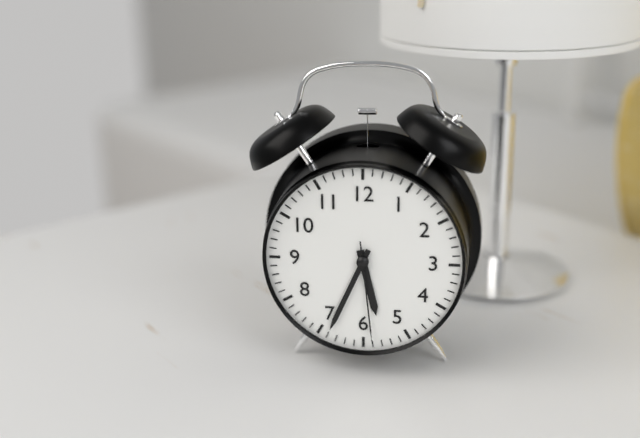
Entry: h=5 m=34 s=29
